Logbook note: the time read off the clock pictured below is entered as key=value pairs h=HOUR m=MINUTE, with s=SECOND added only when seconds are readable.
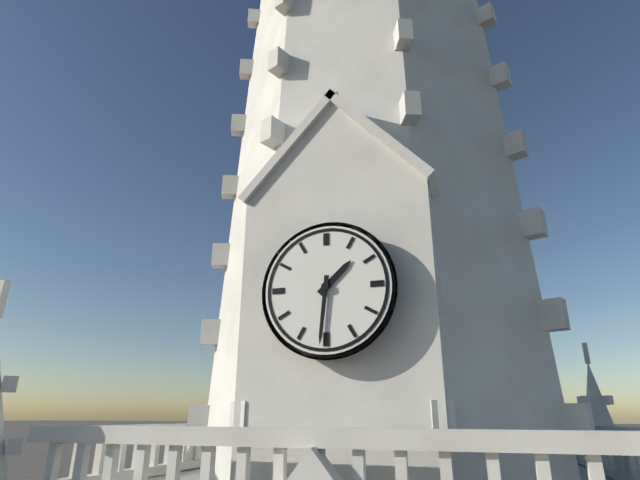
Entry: h=1 m=31
